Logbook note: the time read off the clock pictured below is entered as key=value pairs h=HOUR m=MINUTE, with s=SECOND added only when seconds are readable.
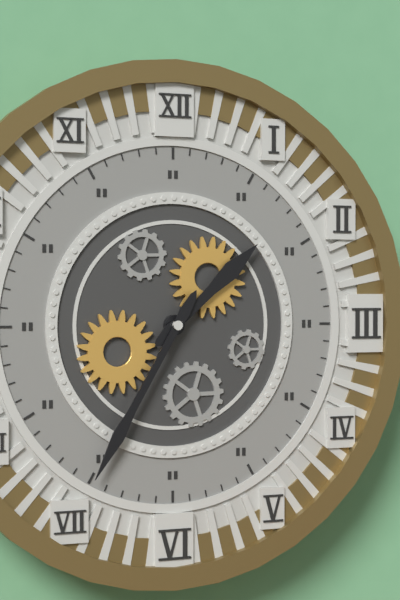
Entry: h=1 m=35
